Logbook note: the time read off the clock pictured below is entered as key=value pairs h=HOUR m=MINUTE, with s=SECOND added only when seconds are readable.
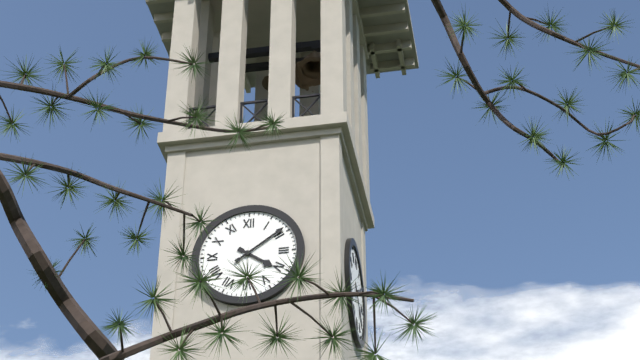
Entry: h=4 m=9
